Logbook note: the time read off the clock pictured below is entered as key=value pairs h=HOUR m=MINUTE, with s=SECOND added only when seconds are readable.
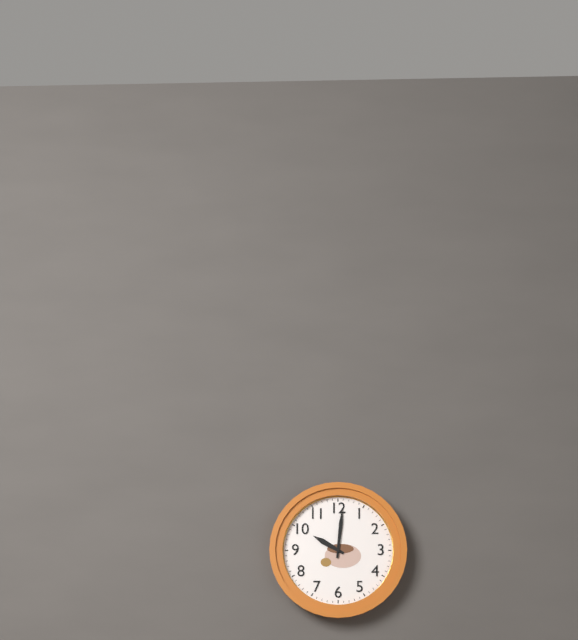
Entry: h=10 m=1
